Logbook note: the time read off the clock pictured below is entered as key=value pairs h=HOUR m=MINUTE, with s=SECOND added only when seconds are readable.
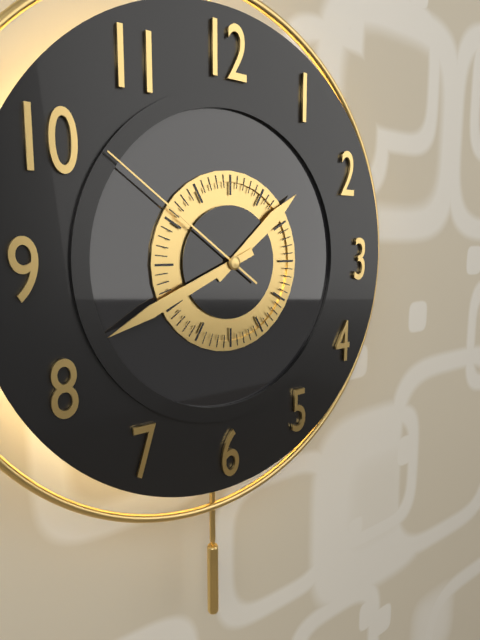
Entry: h=1 m=41 s=51
